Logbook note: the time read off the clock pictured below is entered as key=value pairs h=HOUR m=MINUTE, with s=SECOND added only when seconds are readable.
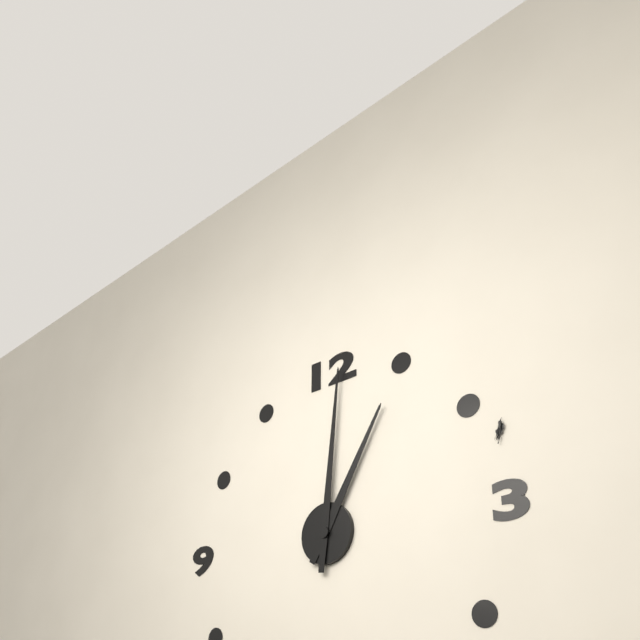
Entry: h=1 m=1
